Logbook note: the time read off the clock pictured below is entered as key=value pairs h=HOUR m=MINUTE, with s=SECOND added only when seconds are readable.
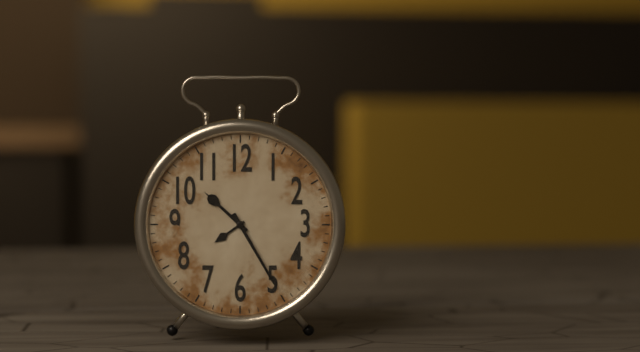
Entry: h=10 m=25
